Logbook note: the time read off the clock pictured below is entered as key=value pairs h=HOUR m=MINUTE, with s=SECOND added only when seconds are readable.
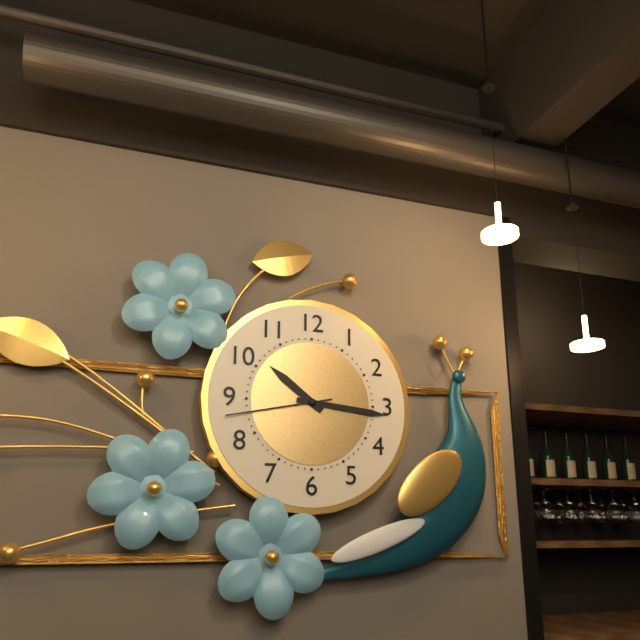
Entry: h=10 m=16 s=43
